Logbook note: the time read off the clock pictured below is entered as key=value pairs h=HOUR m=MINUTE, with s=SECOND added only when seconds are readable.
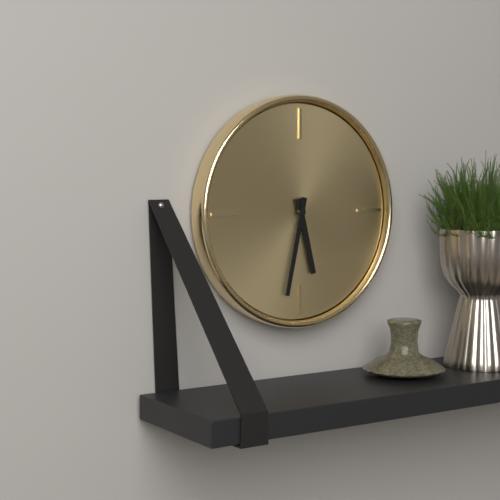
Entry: h=5 m=32
